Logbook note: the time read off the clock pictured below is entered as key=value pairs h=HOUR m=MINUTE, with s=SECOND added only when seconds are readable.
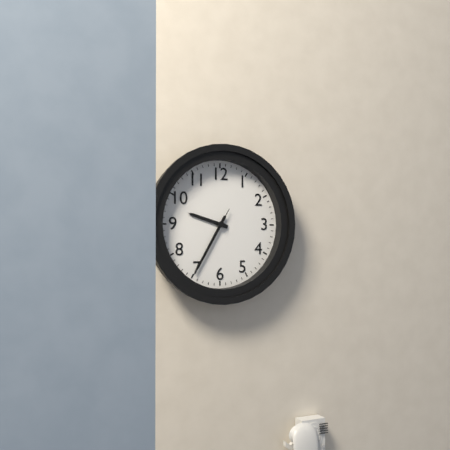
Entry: h=9 m=35 s=35
